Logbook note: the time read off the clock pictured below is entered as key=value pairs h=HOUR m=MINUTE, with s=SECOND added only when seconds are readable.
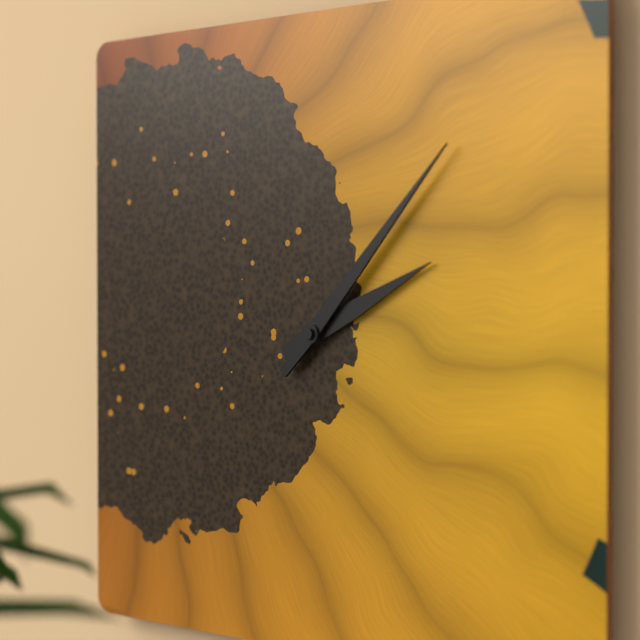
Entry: h=2 m=7
